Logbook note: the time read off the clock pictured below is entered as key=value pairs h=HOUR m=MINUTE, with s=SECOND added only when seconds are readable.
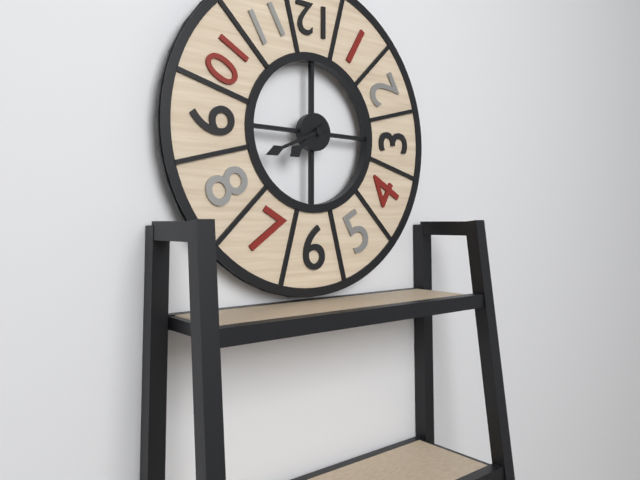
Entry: h=7 m=41
